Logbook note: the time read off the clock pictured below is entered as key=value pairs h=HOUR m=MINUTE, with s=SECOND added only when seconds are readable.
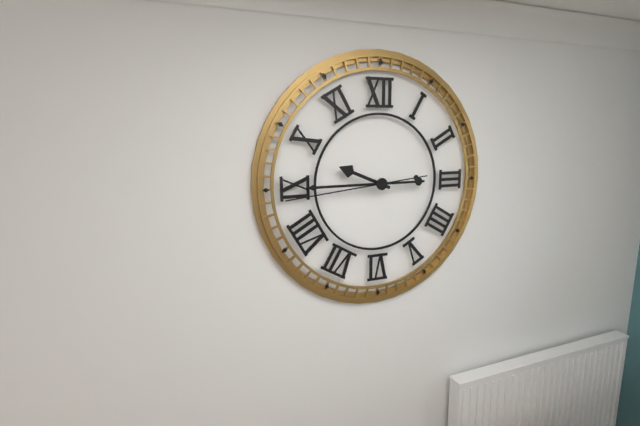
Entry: h=9 m=45 s=44
